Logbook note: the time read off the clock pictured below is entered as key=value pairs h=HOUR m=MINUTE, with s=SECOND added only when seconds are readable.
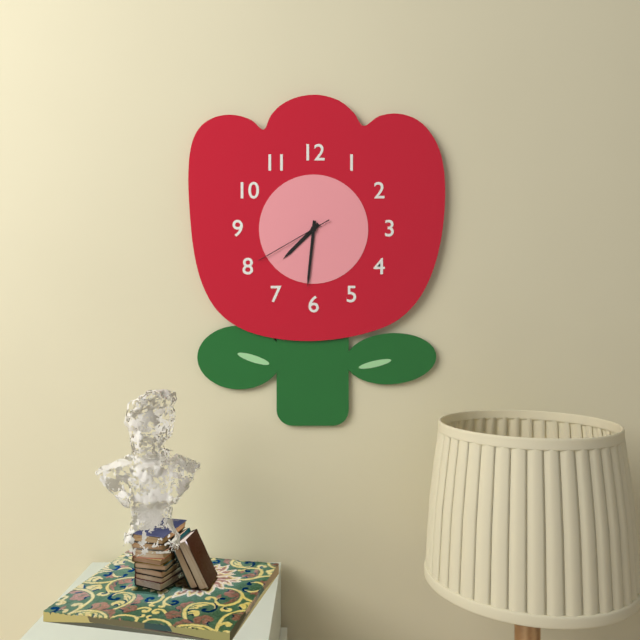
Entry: h=7 m=31 s=40
